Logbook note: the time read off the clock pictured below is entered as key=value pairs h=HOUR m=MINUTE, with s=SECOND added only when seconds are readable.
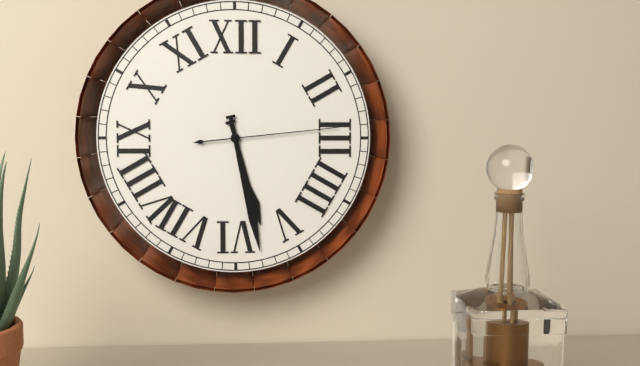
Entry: h=5 m=28 s=14
